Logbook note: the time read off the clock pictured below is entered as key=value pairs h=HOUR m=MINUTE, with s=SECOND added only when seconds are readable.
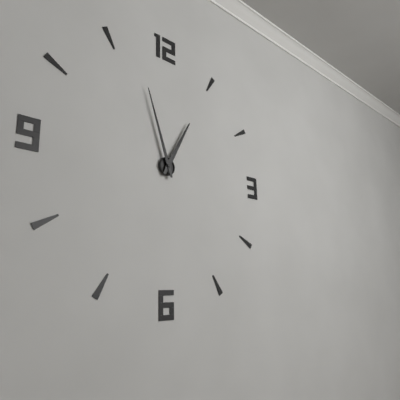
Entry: h=12 m=57
